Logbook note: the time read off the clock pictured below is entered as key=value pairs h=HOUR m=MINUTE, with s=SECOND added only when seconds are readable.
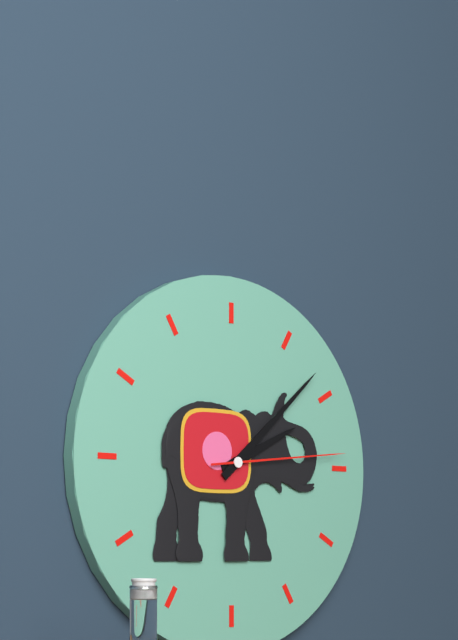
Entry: h=2 m=8 s=14
